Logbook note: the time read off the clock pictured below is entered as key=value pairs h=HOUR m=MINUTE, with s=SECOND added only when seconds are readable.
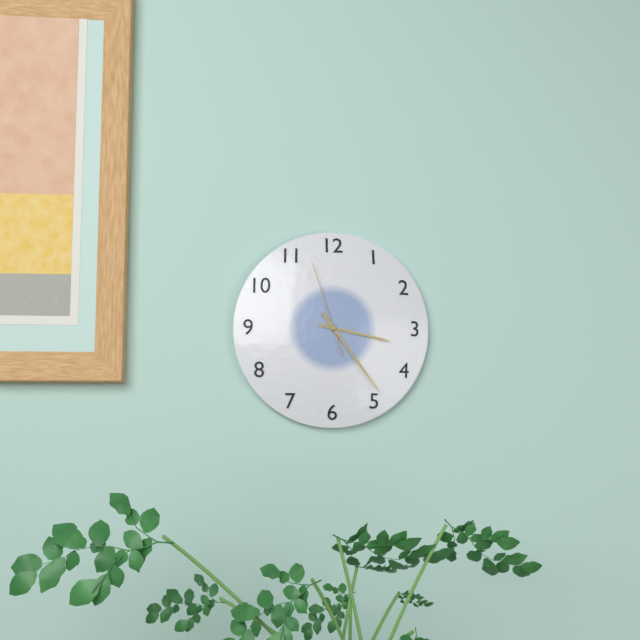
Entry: h=3 m=24 s=57
